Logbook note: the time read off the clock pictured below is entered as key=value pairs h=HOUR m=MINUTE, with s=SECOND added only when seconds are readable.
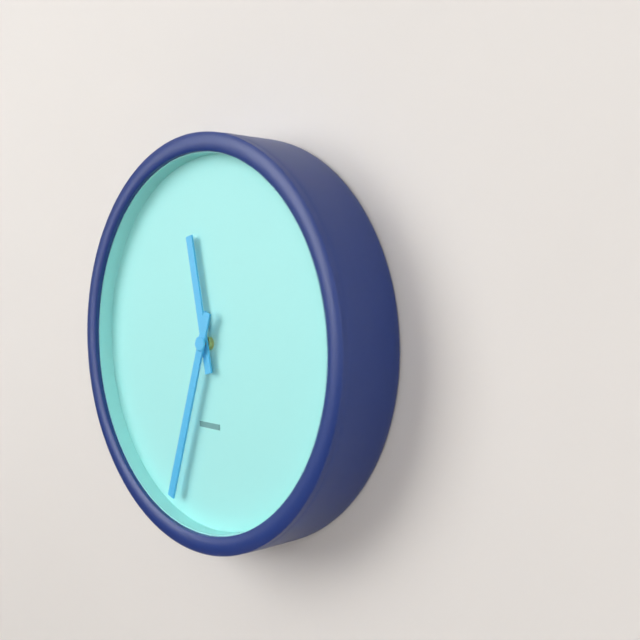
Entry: h=11 m=33
